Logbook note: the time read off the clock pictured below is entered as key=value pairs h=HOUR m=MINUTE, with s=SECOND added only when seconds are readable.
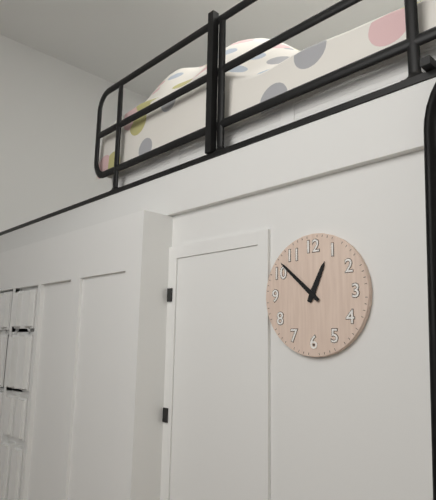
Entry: h=12 m=52
